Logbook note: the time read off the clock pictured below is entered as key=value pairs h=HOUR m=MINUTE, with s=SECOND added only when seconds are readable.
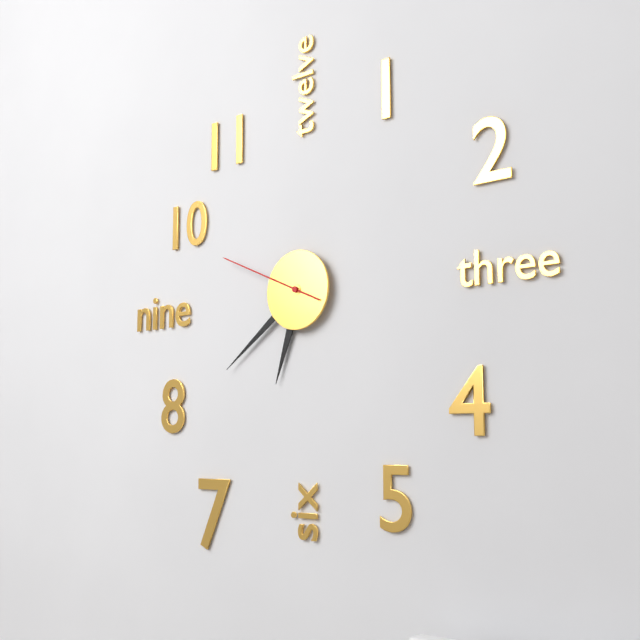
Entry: h=6 m=39 s=49
